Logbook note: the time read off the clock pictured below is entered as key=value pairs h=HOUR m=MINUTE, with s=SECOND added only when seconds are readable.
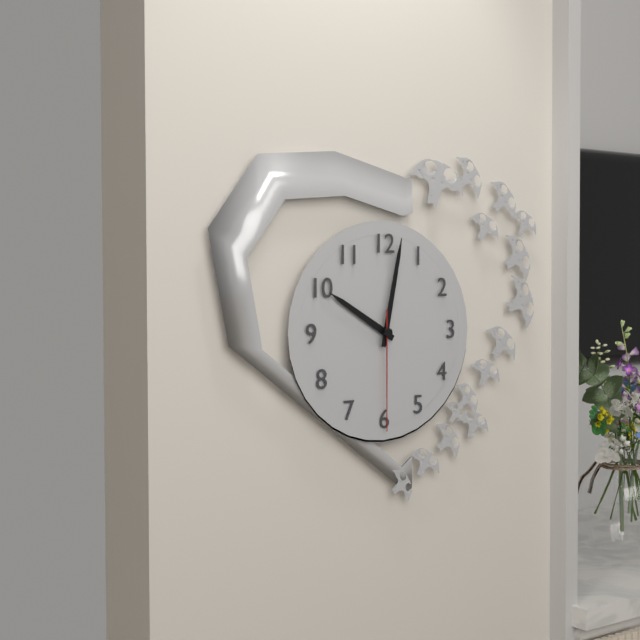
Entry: h=10 m=2 s=30
